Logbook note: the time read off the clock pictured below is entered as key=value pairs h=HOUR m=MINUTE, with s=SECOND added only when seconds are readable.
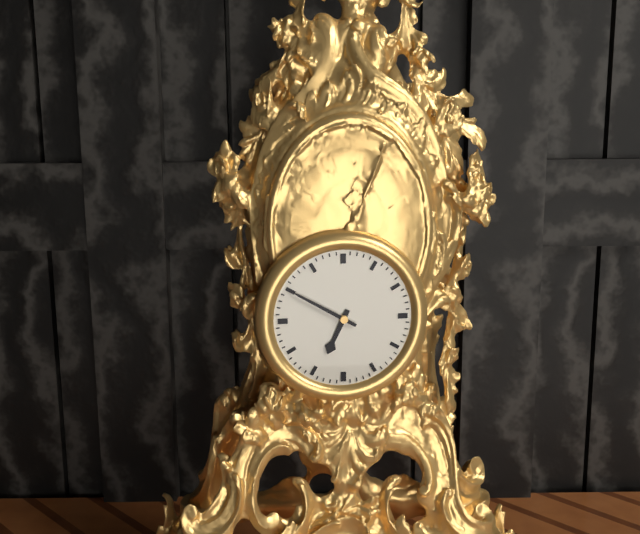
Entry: h=6 m=50
